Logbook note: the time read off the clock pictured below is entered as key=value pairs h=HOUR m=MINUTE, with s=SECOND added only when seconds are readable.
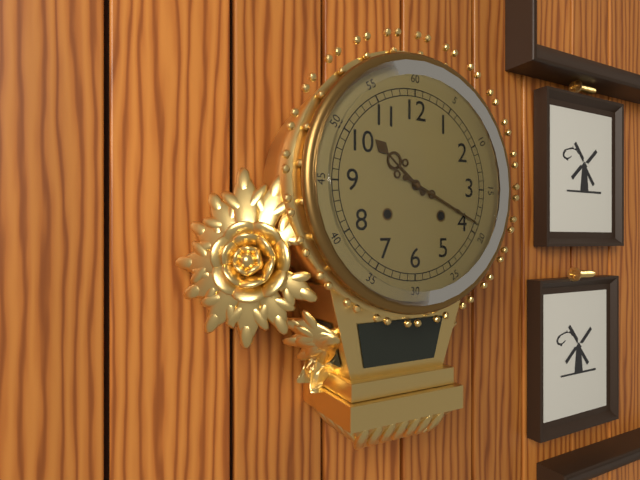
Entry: h=10 m=19
